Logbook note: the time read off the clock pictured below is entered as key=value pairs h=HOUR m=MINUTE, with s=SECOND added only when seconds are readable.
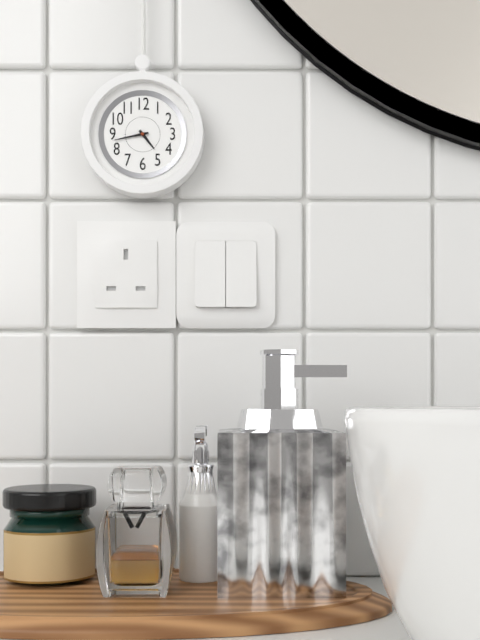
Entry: h=4 m=43
